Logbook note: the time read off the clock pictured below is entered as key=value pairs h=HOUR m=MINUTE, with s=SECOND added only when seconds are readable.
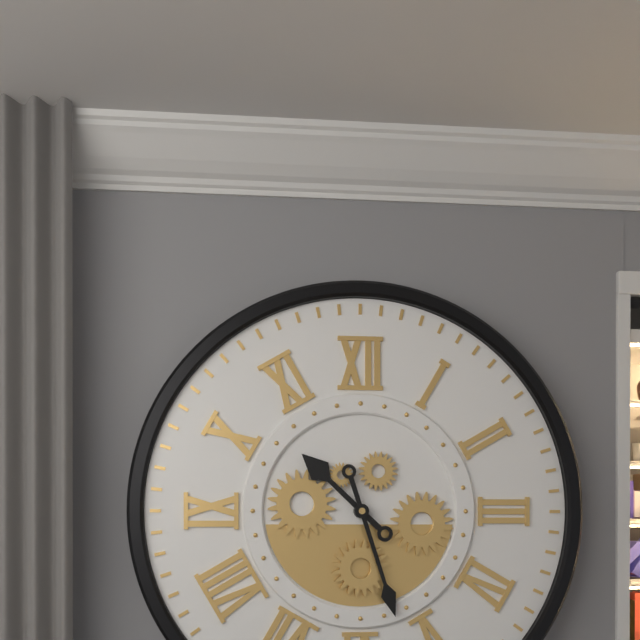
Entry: h=10 m=27
